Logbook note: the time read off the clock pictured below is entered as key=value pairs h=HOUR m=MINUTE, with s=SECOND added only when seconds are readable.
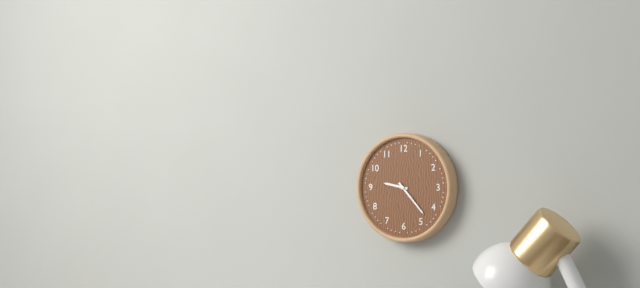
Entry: h=9 m=23
